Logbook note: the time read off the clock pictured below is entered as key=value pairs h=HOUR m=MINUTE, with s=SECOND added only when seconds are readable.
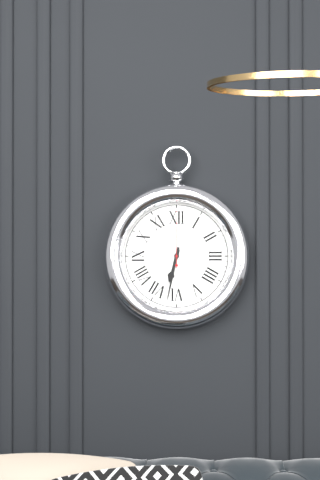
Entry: h=6 m=32 s=0
